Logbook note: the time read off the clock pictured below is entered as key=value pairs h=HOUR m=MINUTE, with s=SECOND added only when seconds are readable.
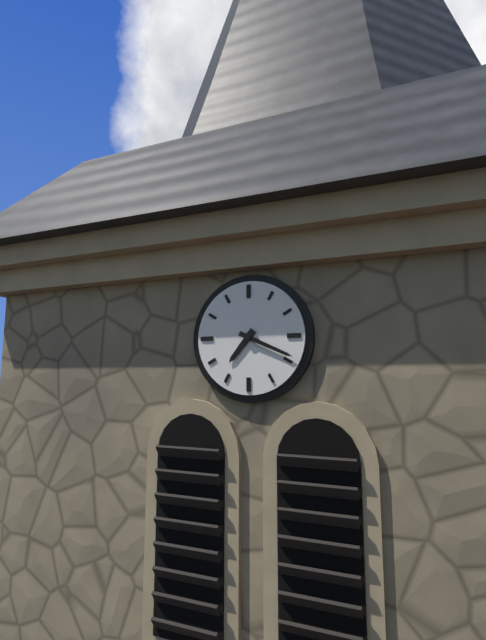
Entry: h=7 m=19
